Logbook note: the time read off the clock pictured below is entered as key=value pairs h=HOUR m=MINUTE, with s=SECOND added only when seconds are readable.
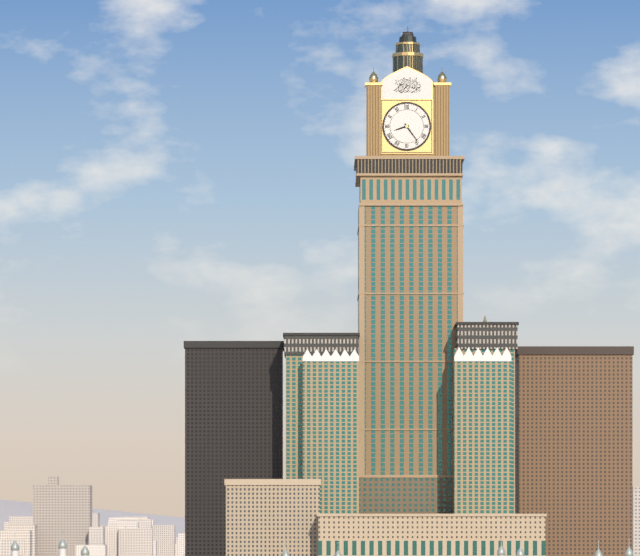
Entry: h=8 m=24
